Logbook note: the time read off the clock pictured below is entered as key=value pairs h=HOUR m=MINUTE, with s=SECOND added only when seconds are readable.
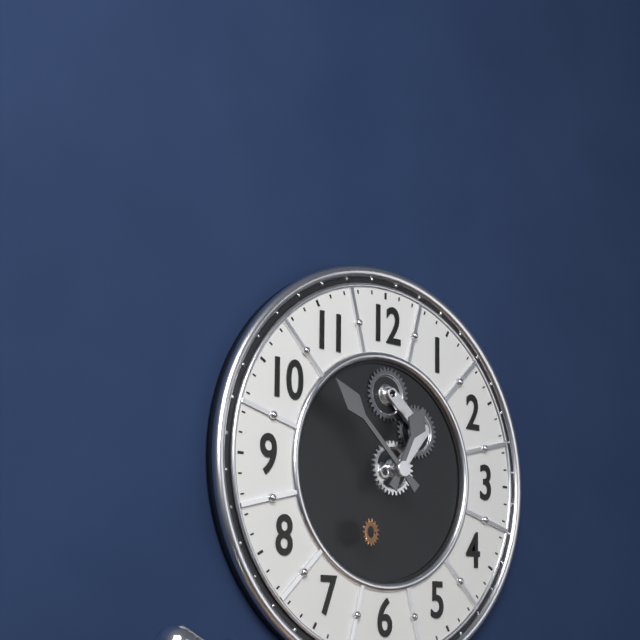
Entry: h=12 m=52
